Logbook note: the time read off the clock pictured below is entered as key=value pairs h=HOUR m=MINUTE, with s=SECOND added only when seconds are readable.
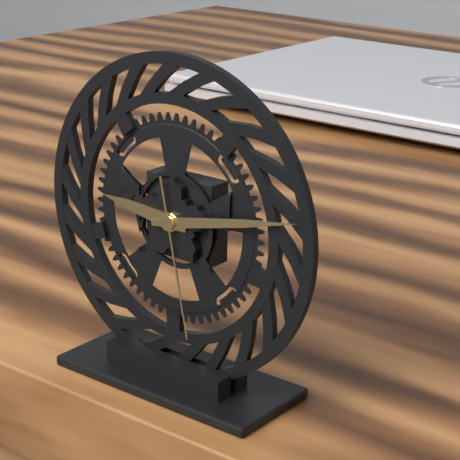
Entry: h=9 m=13 s=28
